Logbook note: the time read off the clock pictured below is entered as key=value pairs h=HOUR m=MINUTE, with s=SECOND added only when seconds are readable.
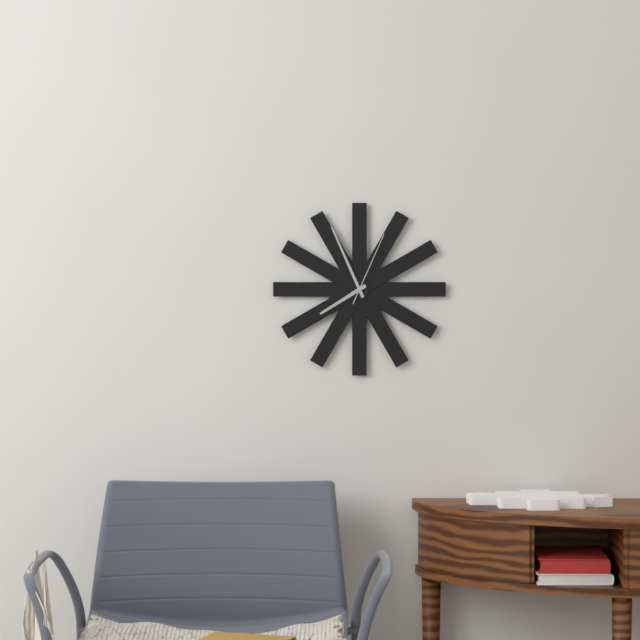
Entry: h=7 m=56 s=4
